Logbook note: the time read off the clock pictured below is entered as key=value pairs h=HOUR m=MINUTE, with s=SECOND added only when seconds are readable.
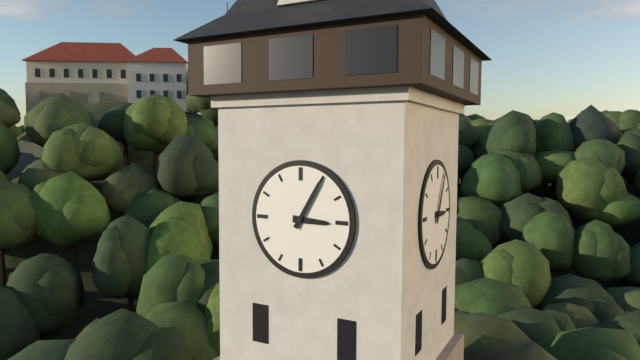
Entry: h=3 m=5
